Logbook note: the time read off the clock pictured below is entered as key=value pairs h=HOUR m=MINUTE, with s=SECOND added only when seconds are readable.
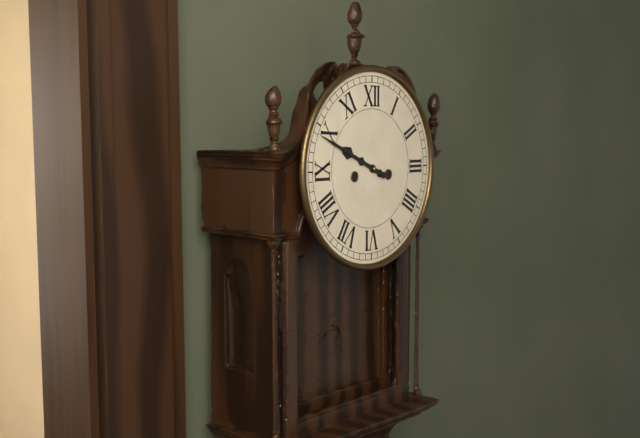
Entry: h=9 m=49
